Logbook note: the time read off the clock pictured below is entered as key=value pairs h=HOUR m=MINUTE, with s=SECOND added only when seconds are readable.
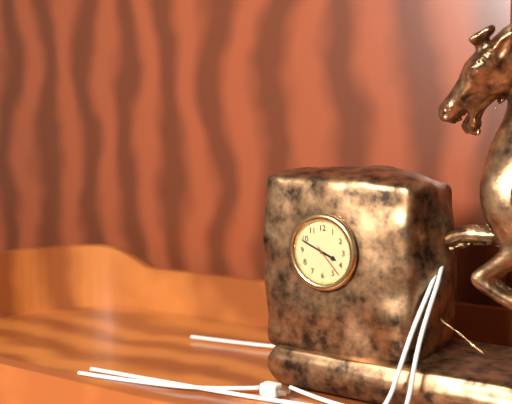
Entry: h=3 m=49
